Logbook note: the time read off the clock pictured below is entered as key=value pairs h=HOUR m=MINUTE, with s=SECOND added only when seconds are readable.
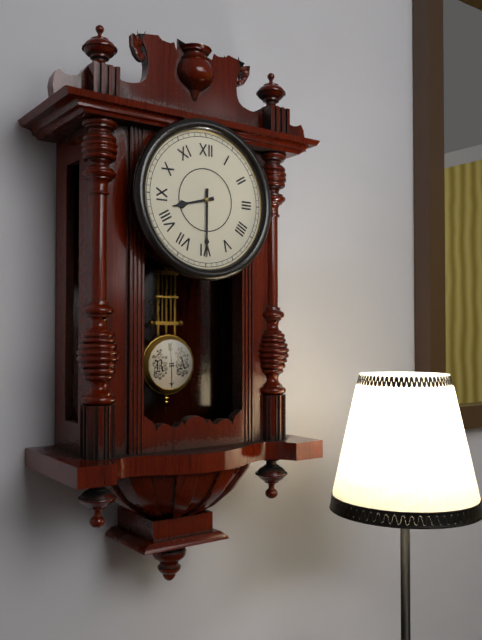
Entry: h=8 m=30
